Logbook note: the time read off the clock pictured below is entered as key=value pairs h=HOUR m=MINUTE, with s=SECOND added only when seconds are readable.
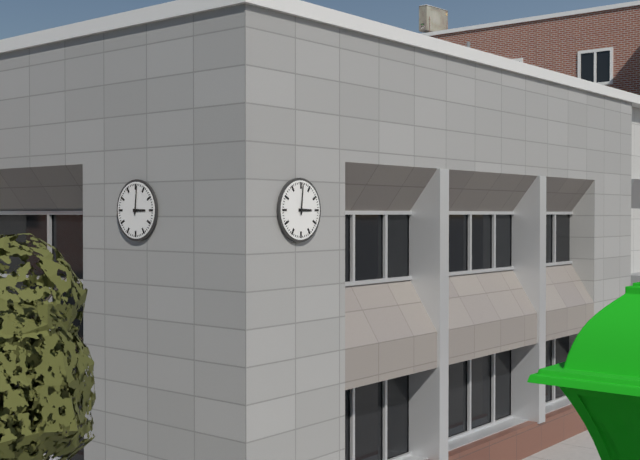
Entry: h=3 m=1
